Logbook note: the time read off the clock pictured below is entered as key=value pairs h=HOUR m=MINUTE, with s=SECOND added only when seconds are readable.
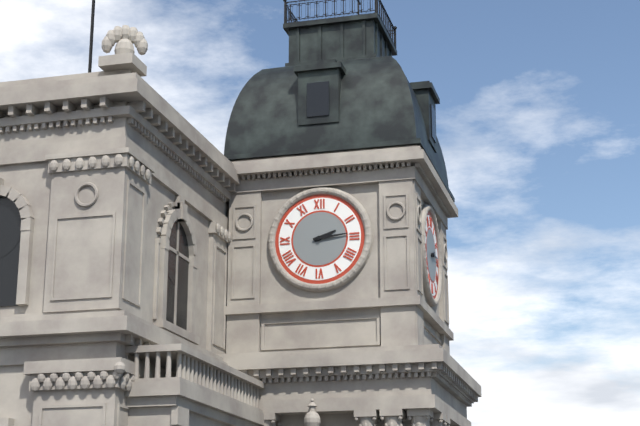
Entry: h=2 m=14
